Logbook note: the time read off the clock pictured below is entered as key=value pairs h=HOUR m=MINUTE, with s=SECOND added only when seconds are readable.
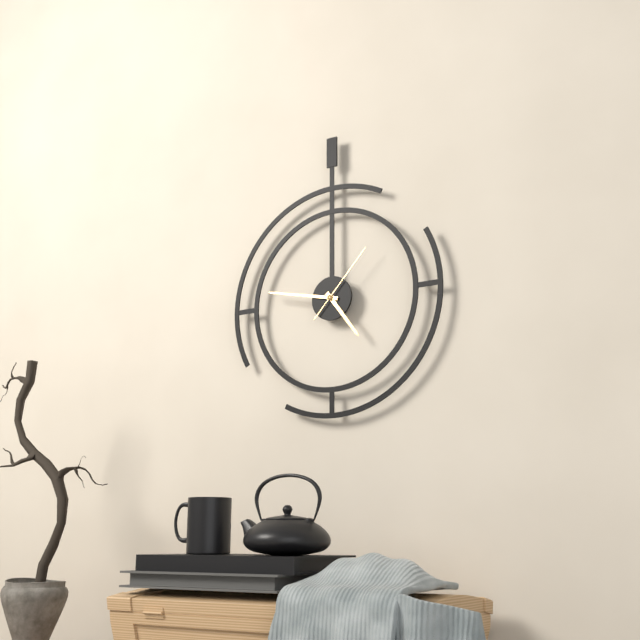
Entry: h=4 m=47 s=7
